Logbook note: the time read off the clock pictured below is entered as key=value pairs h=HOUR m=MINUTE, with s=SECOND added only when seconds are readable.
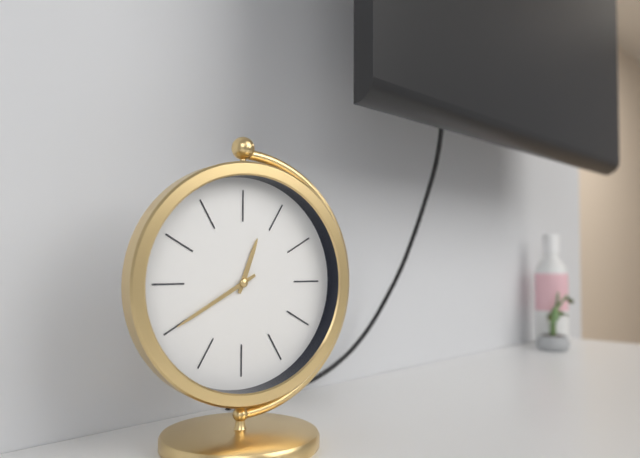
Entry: h=12 m=40
